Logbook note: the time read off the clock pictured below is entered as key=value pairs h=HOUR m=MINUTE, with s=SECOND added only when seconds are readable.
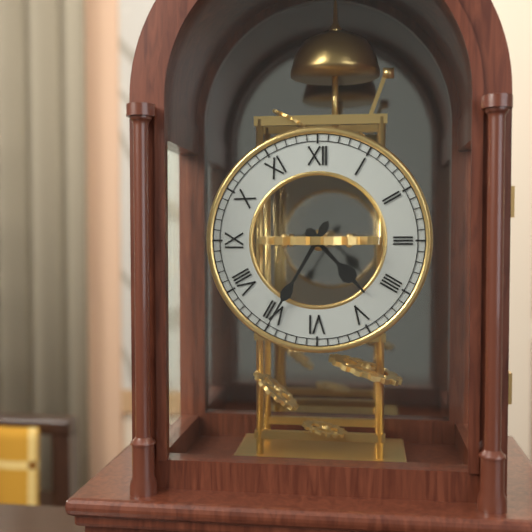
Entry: h=4 m=35
